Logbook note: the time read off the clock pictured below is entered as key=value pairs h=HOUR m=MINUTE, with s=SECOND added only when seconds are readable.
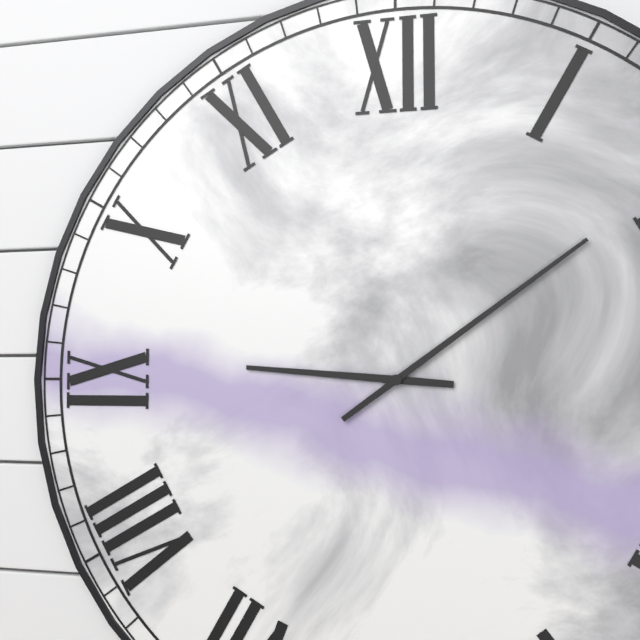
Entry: h=9 m=9
